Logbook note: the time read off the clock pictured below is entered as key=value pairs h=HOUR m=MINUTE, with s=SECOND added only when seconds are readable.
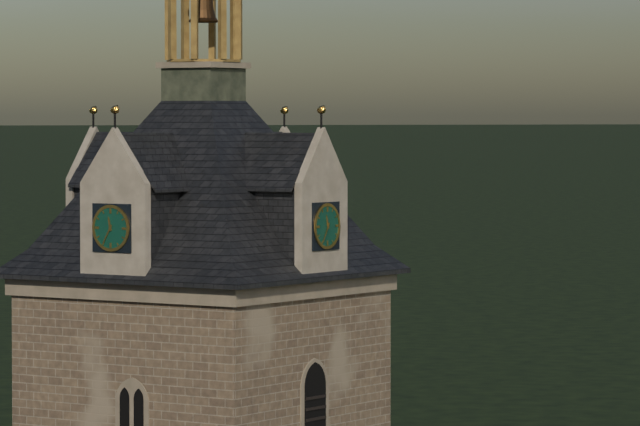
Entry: h=11 m=35
